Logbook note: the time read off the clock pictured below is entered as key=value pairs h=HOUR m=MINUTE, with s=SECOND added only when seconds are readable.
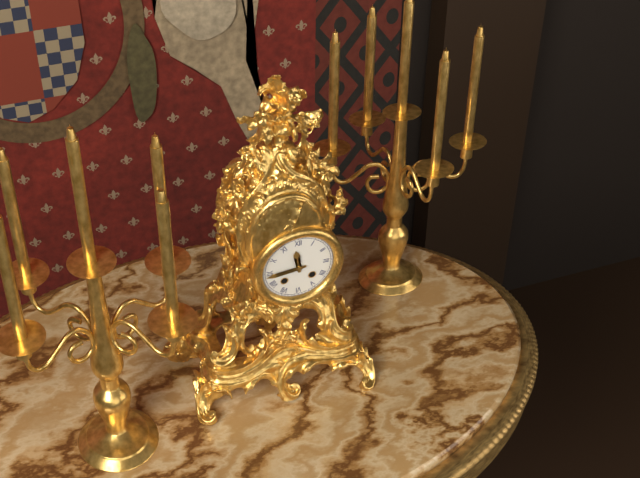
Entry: h=11 m=44
